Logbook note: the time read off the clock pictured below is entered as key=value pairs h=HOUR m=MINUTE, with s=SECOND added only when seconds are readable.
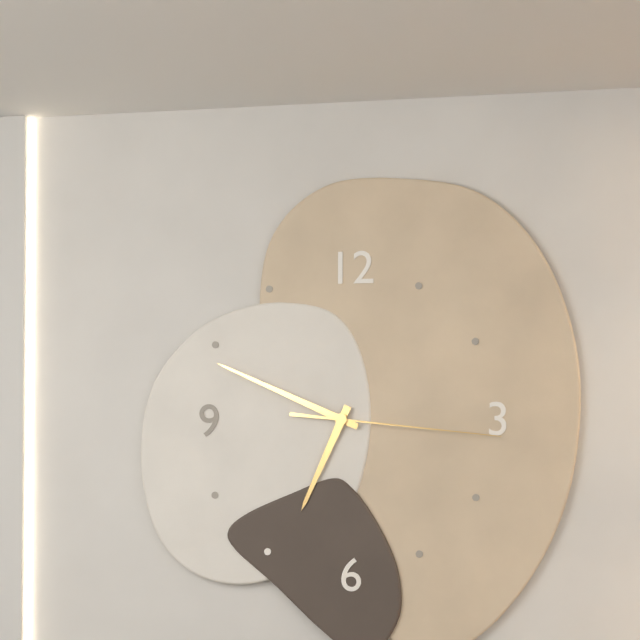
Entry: h=6 m=49 s=16
